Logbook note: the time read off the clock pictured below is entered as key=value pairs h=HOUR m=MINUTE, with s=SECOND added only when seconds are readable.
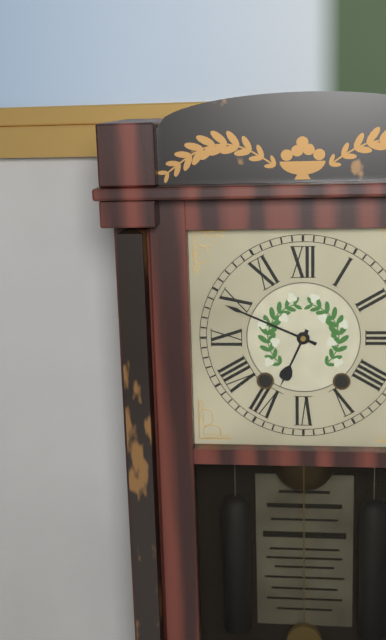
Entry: h=6 m=49
